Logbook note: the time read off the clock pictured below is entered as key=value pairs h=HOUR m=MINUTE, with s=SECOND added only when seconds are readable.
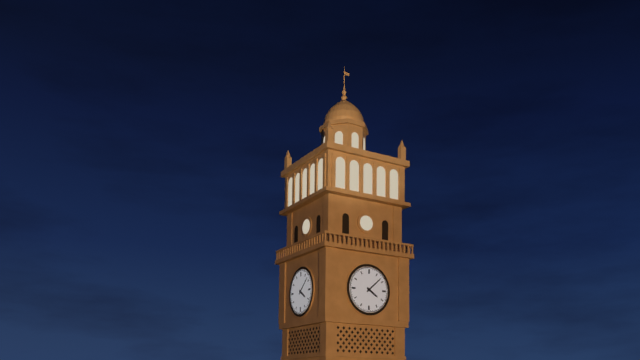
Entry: h=4 m=8
